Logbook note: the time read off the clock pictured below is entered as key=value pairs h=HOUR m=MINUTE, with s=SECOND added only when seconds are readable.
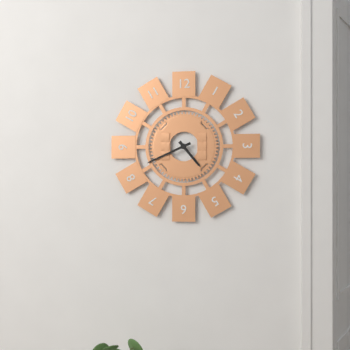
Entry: h=4 m=41
